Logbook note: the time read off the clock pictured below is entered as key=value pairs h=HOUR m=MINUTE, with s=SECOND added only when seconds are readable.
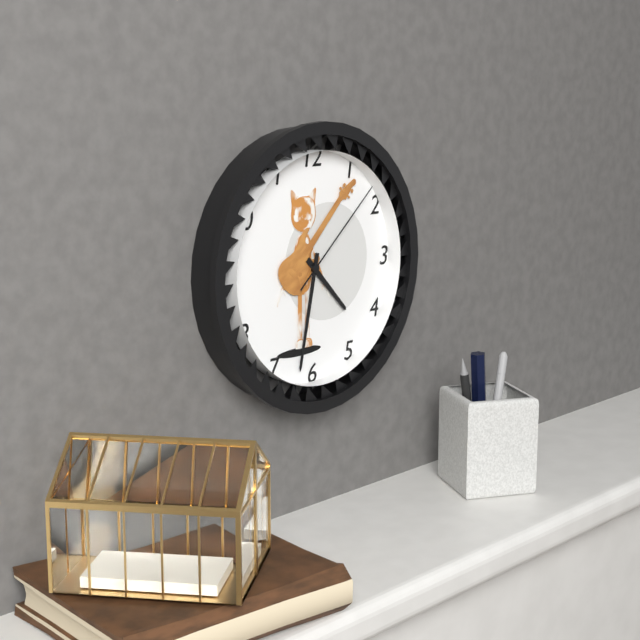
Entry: h=4 m=32 s=8
